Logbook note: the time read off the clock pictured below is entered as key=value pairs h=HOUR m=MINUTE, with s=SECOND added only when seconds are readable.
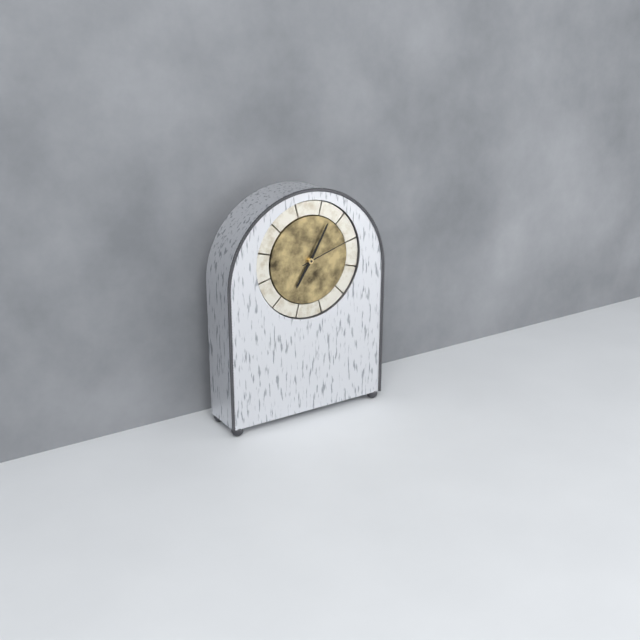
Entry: h=7 m=5 s=12
